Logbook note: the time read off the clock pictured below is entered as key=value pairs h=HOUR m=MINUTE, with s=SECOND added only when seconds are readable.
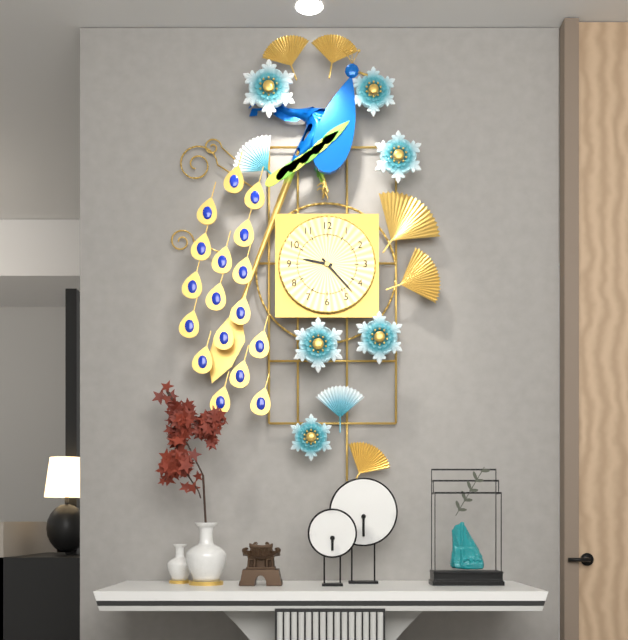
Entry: h=9 m=23
